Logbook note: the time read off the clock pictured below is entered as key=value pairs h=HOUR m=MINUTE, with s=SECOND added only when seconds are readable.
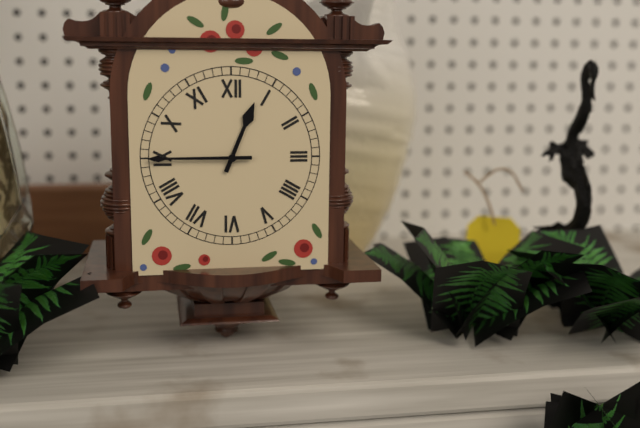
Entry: h=12 m=45
